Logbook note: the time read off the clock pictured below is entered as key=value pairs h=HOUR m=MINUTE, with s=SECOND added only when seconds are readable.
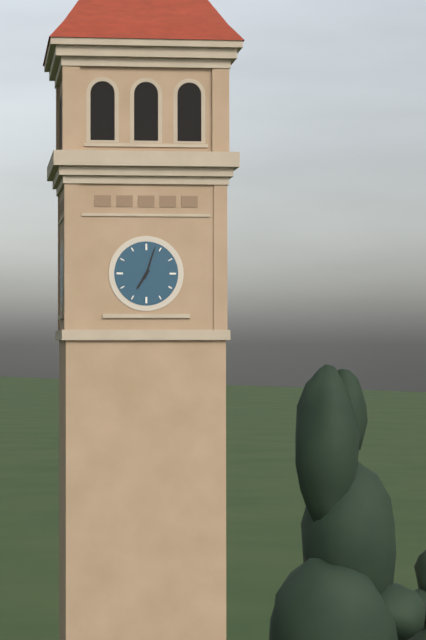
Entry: h=7 m=3
